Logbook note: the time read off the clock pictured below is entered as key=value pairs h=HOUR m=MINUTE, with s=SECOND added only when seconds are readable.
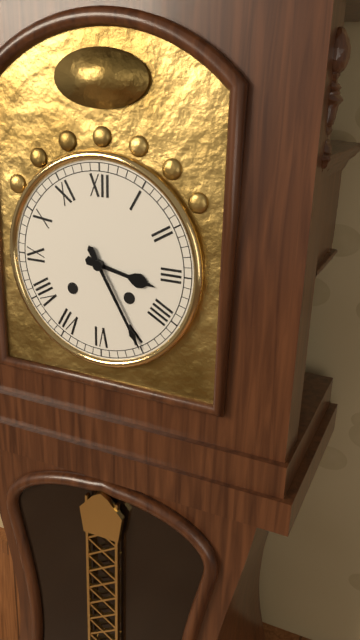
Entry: h=3 m=25
